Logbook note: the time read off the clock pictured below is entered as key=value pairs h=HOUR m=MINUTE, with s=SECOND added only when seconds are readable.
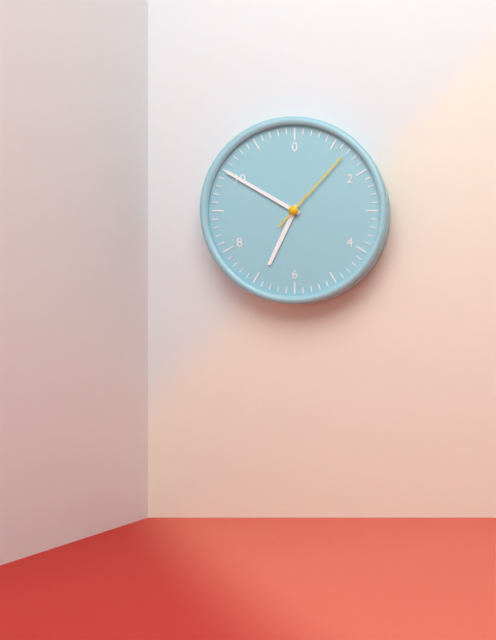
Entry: h=6 m=50 s=7
